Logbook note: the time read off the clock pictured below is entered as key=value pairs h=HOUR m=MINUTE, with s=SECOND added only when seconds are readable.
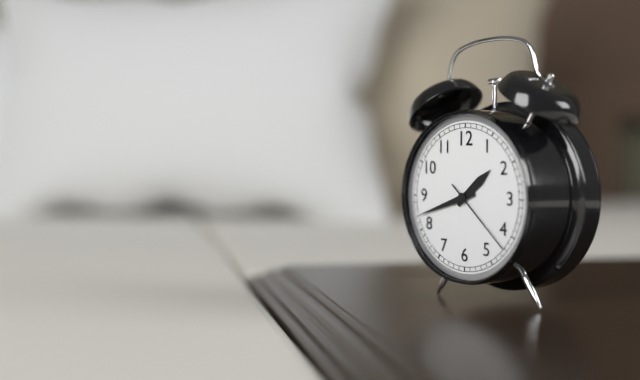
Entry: h=1 m=42 s=22
